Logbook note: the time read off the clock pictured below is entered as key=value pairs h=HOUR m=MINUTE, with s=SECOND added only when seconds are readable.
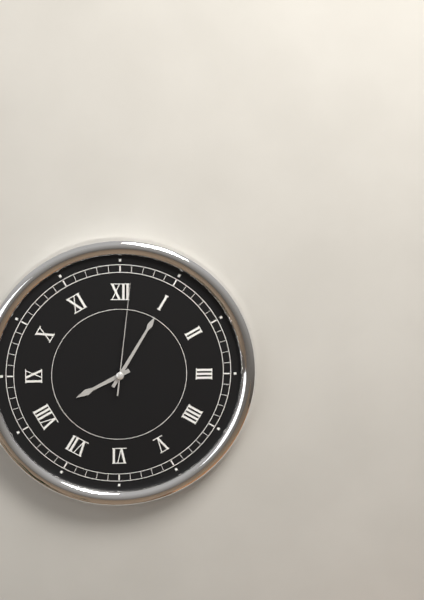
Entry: h=8 m=5 s=1
